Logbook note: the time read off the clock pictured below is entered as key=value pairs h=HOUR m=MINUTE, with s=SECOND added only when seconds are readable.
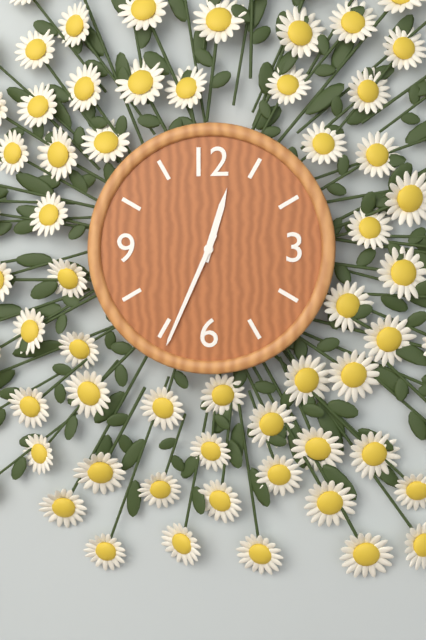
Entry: h=12 m=34
